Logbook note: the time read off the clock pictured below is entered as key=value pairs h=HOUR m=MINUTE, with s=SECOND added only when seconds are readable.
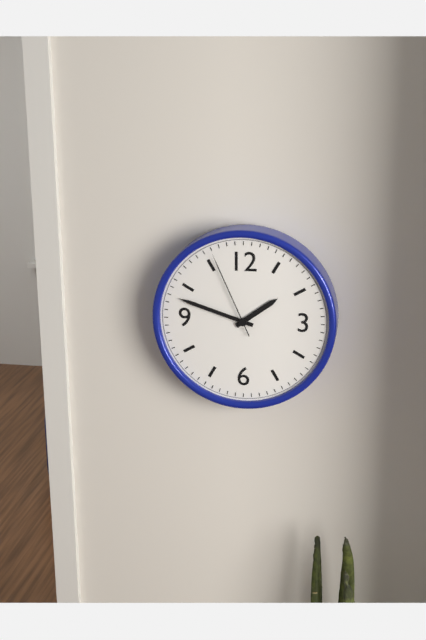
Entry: h=1 m=48 s=56
